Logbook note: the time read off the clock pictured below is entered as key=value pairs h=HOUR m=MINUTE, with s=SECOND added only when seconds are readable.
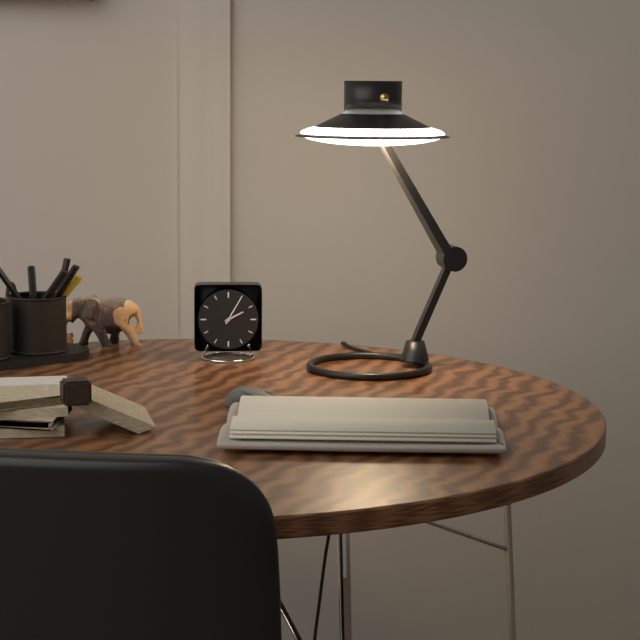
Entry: h=2 m=5
